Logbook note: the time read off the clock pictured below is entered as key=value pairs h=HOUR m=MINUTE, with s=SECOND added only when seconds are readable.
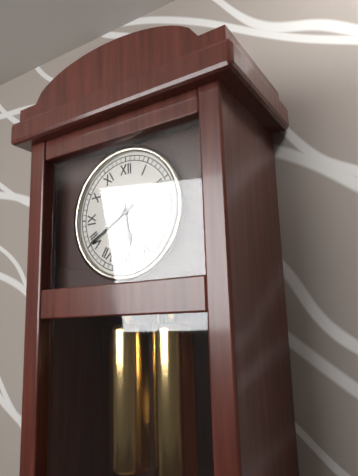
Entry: h=5 m=40
